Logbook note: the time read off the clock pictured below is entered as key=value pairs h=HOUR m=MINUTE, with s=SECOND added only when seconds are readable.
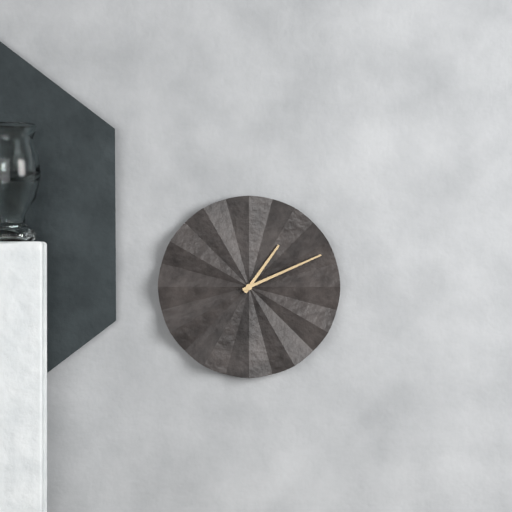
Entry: h=1 m=11
